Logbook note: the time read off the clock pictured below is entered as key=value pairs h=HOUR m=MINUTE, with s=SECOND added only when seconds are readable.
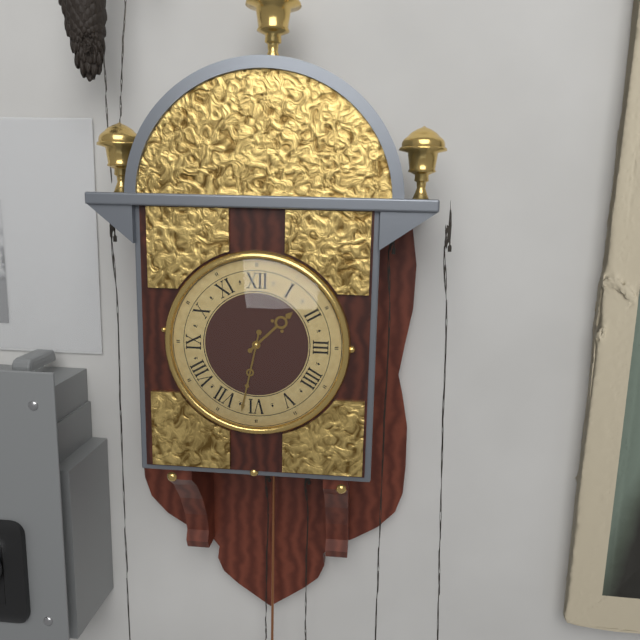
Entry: h=1 m=32
